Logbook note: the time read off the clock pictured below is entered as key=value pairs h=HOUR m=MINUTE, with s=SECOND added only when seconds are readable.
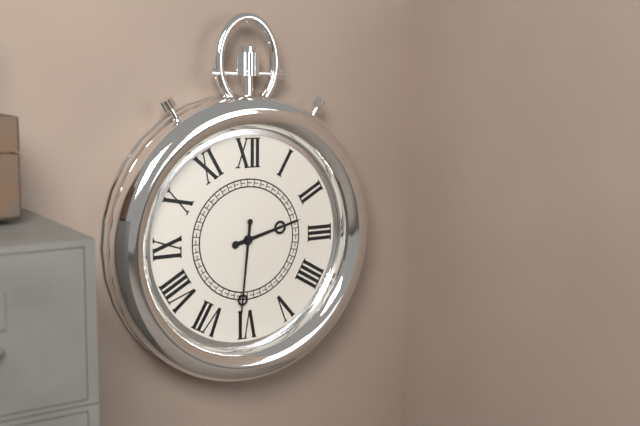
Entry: h=2 m=31
